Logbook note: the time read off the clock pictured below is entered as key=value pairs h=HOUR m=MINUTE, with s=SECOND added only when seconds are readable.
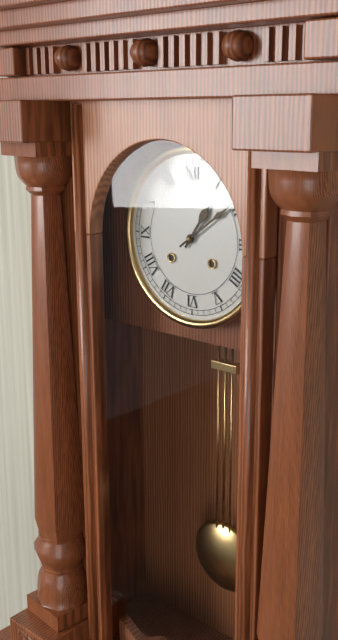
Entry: h=1 m=9
